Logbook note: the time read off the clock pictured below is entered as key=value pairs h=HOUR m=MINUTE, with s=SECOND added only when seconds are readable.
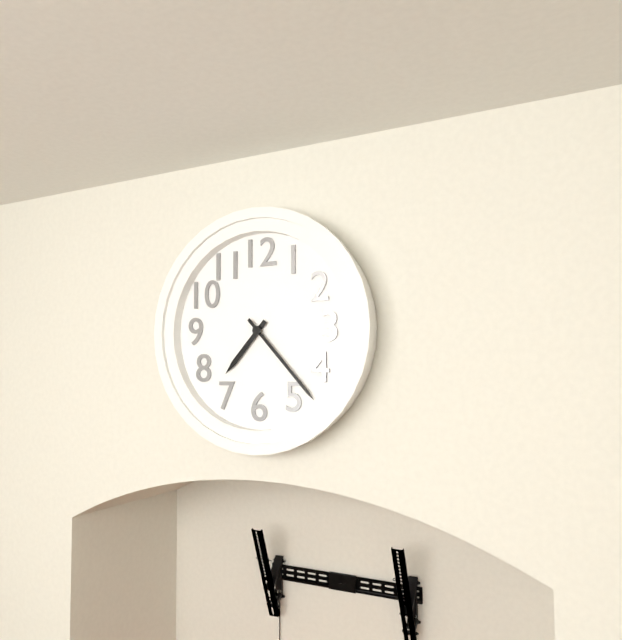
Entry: h=7 m=23
